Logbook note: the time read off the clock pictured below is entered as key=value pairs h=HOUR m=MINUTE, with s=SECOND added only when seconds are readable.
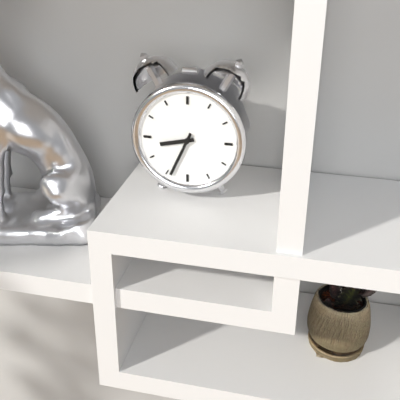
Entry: h=8 m=34
